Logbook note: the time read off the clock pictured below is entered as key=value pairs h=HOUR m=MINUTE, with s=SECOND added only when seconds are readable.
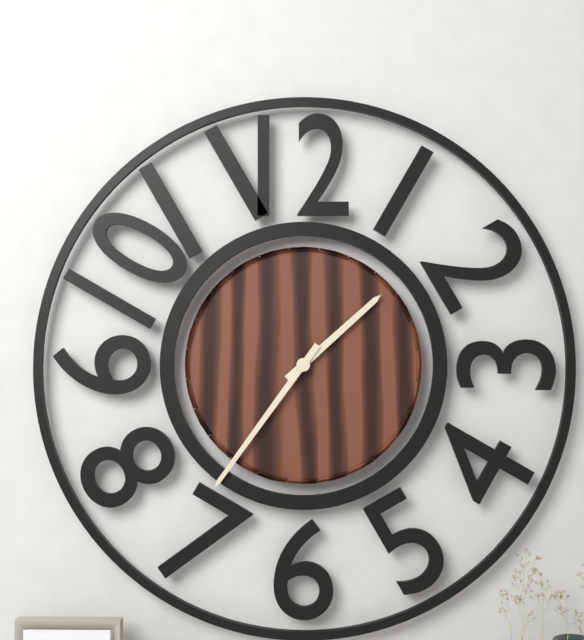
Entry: h=1 m=36
